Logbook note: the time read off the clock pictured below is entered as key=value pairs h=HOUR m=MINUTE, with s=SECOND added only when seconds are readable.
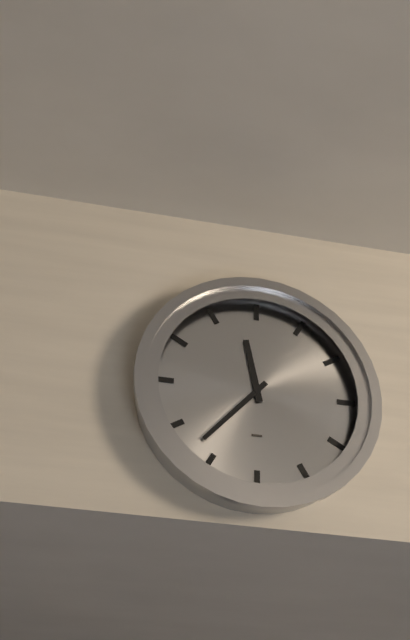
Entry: h=11 m=37
